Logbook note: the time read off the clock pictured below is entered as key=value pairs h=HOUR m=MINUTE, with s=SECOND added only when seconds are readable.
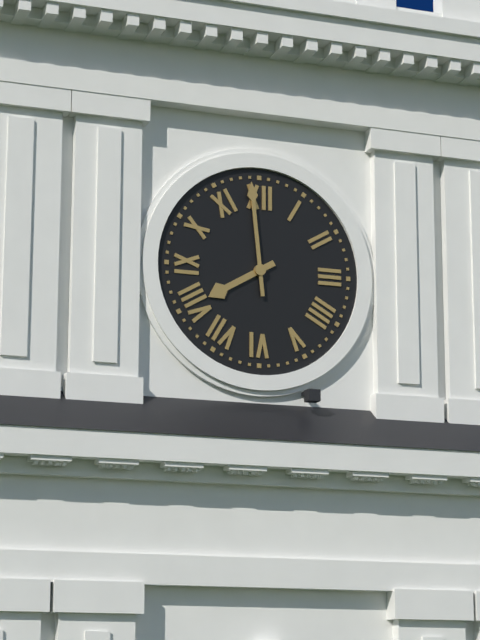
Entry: h=7 m=59
